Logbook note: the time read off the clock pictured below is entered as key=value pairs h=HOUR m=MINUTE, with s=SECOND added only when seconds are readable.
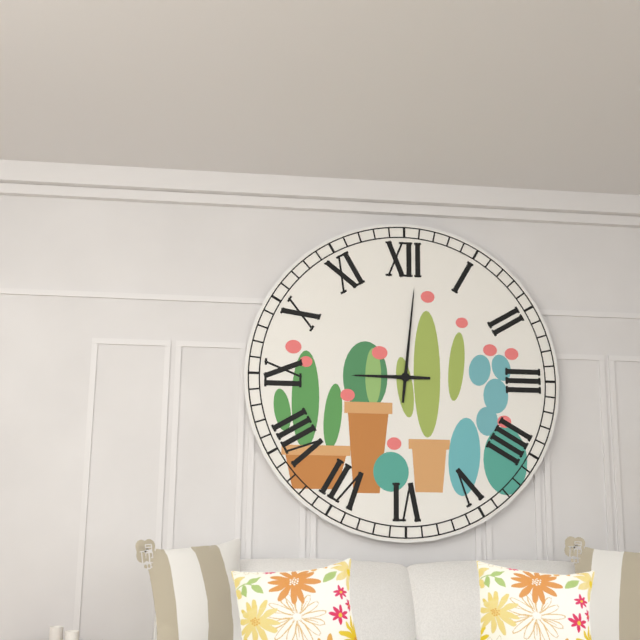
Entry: h=9 m=1
